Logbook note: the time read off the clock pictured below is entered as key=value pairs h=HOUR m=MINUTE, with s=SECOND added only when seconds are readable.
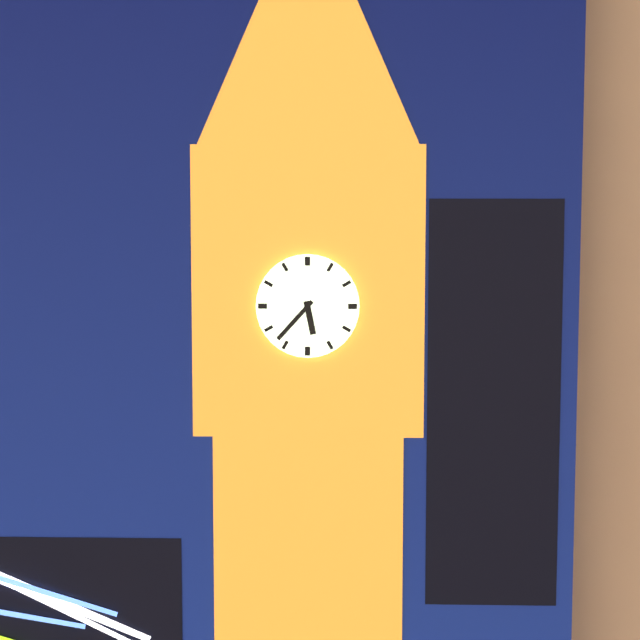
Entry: h=5 m=37
